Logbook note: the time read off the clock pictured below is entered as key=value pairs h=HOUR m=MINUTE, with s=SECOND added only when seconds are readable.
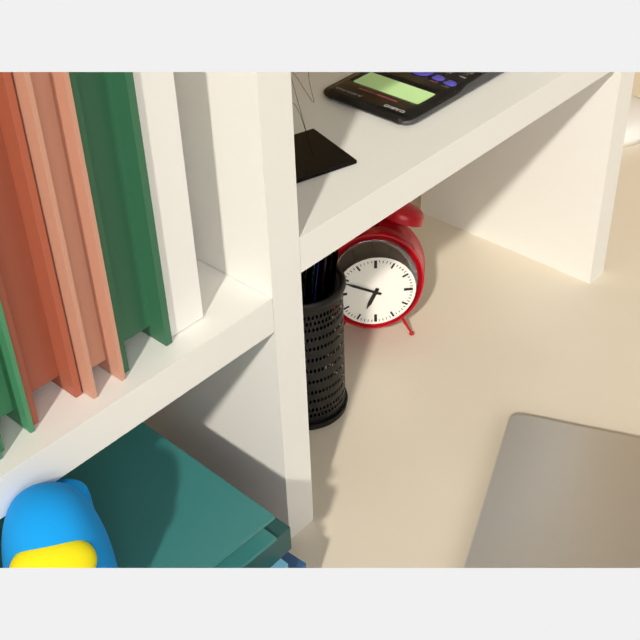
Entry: h=6 m=49
